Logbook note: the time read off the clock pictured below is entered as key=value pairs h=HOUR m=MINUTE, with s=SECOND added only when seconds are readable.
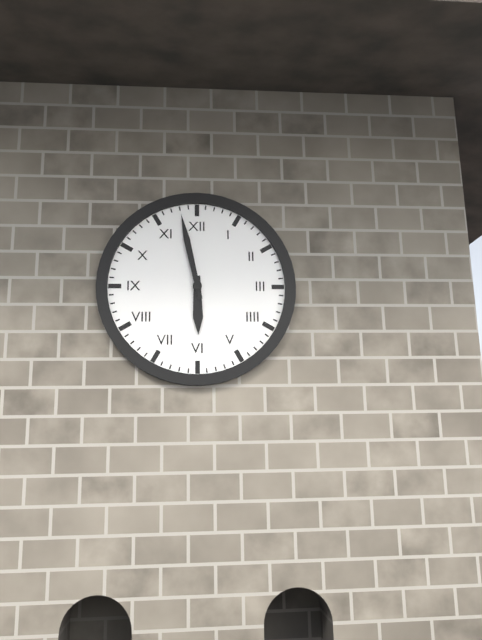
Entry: h=5 m=58
